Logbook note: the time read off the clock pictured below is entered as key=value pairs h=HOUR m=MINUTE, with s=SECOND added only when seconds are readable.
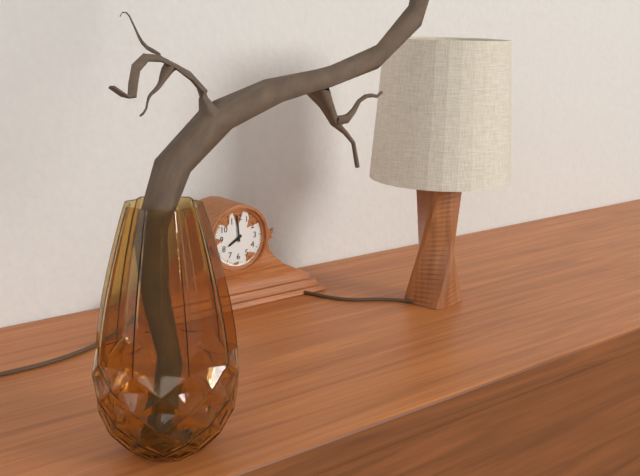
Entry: h=7 m=59
